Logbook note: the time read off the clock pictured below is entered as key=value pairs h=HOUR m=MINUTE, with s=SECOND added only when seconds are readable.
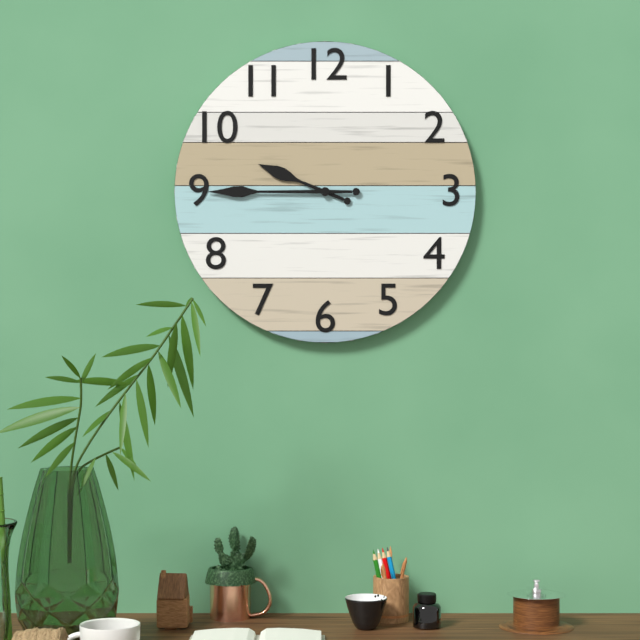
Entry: h=9 m=45
